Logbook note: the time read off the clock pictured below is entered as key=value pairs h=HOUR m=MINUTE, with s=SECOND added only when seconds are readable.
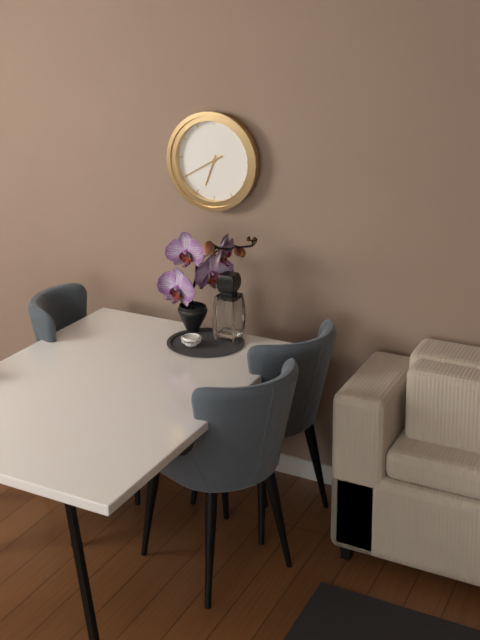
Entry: h=6 m=40
